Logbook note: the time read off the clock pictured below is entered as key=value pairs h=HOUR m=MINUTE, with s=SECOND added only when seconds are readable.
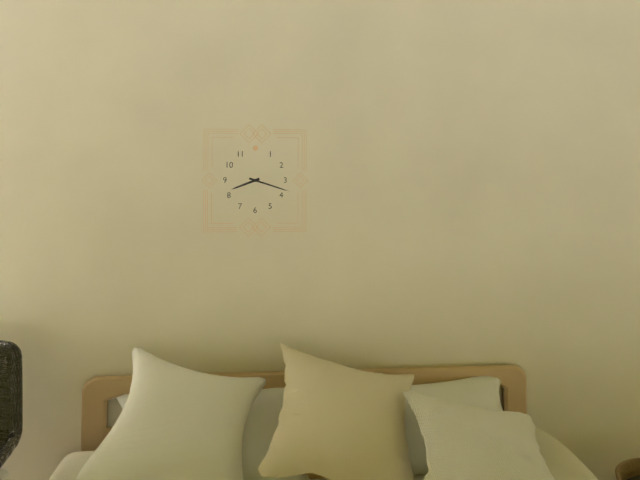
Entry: h=8 m=18
